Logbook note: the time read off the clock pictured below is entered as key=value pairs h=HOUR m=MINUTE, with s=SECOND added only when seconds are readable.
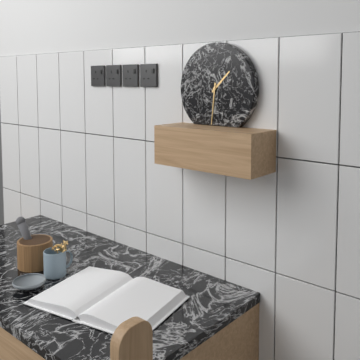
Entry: h=1 m=31
